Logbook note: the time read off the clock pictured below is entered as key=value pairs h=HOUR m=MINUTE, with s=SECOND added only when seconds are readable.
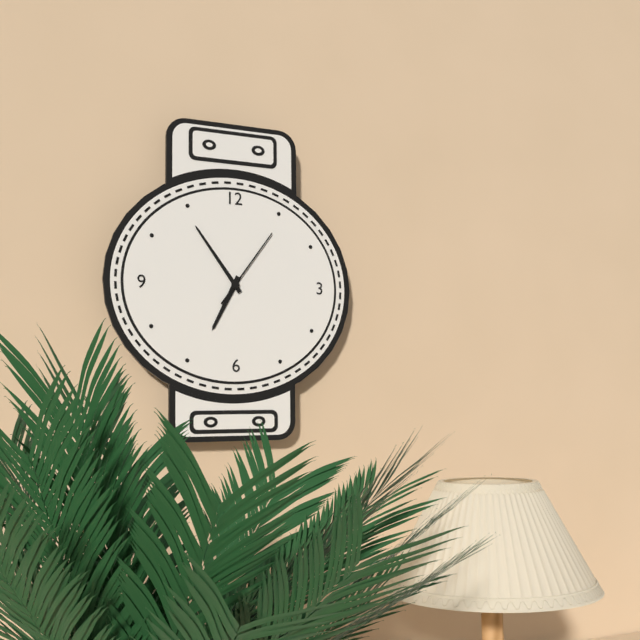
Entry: h=6 m=54 s=6
